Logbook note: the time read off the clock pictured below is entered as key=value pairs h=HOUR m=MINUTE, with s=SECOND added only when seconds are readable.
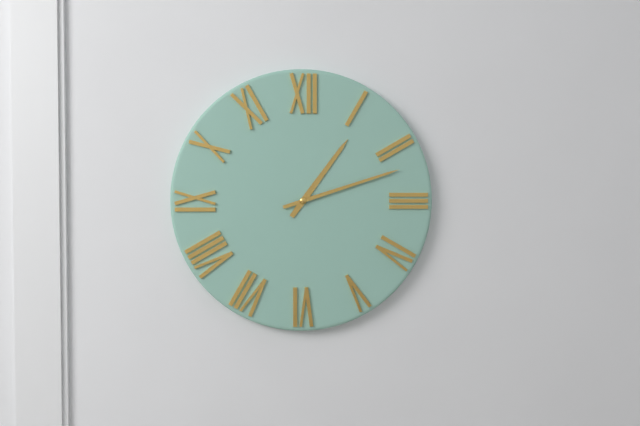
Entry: h=1 m=12
